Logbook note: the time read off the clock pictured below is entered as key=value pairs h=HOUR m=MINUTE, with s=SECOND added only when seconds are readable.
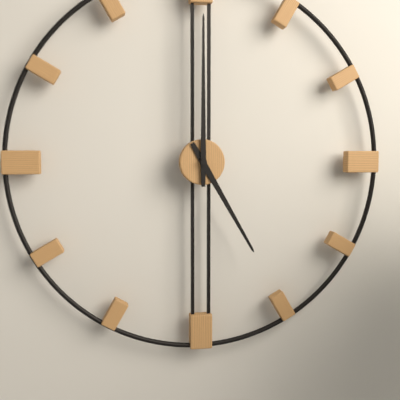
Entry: h=5 m=0
